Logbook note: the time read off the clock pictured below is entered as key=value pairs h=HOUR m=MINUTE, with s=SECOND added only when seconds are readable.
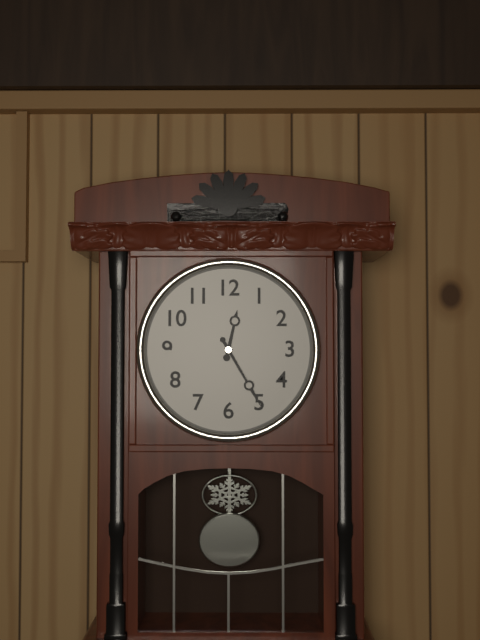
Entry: h=12 m=25
